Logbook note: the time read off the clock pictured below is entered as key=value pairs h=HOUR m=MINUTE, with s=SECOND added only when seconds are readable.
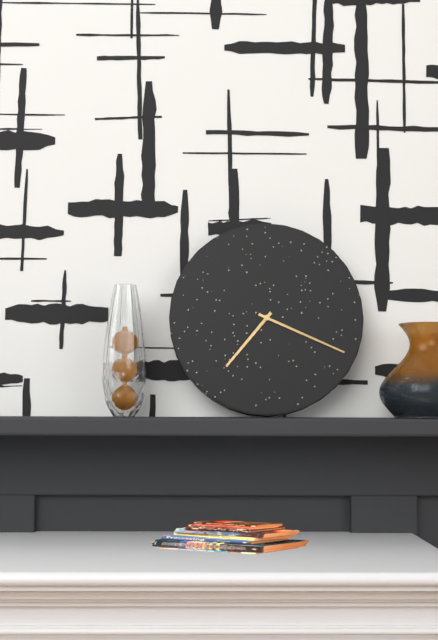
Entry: h=7 m=19
